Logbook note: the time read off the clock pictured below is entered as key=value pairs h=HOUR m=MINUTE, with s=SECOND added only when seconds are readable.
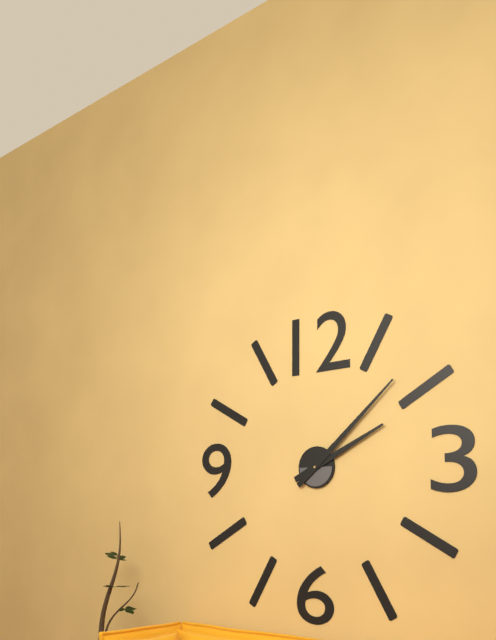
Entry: h=2 m=8
